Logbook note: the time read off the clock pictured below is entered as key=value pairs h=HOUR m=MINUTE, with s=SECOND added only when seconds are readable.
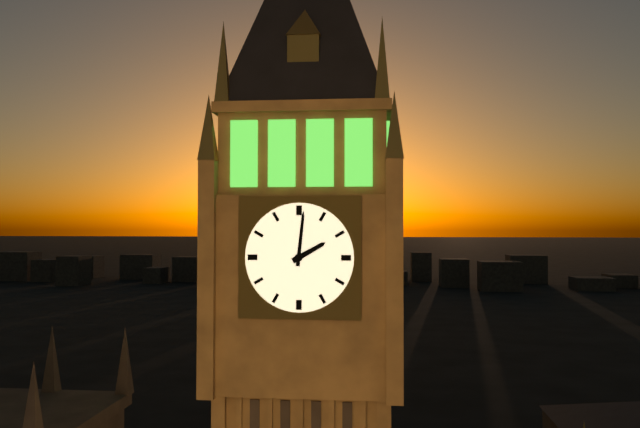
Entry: h=2 m=1
